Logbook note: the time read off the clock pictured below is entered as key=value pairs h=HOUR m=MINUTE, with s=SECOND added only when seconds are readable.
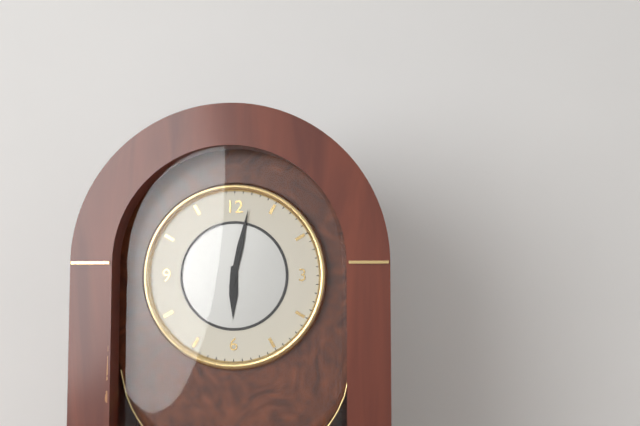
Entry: h=6 m=2
